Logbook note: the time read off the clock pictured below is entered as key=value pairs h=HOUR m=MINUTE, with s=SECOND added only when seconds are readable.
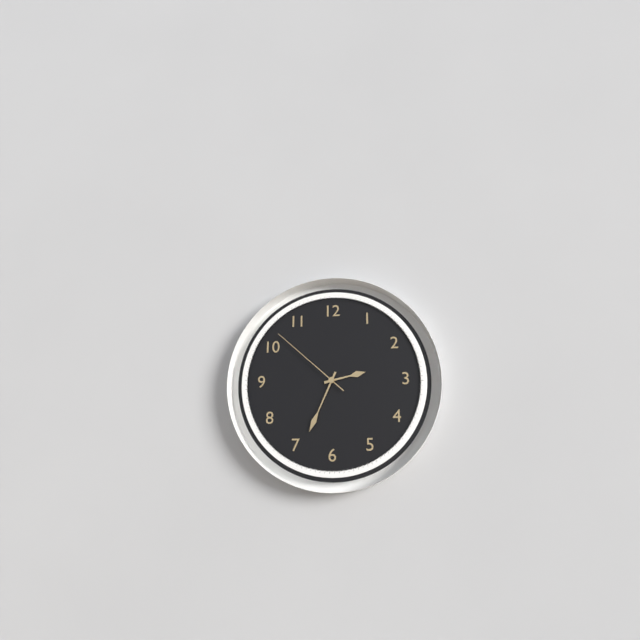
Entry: h=2 m=34 s=52
